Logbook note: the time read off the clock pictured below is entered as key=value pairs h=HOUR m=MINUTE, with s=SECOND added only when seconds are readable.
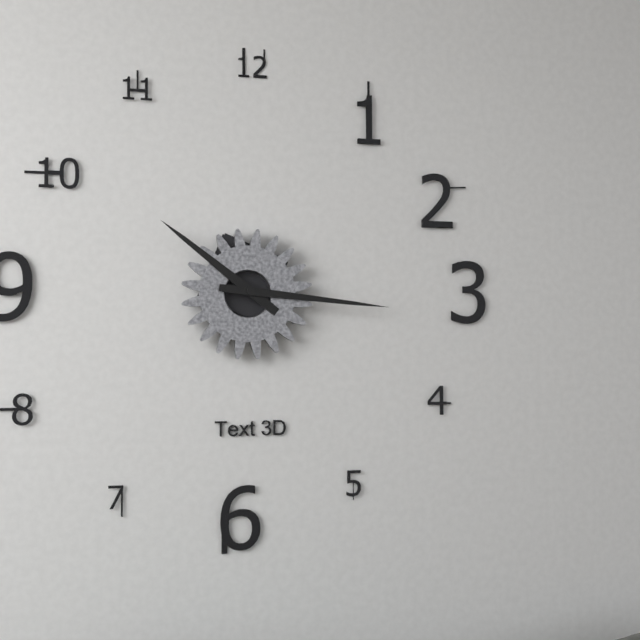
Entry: h=10 m=16
